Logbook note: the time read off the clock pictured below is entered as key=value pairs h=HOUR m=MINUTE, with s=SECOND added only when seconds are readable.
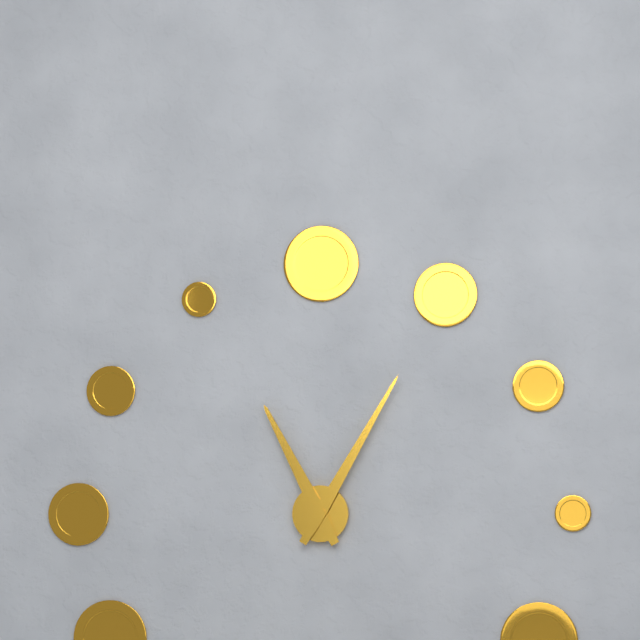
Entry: h=11 m=5
